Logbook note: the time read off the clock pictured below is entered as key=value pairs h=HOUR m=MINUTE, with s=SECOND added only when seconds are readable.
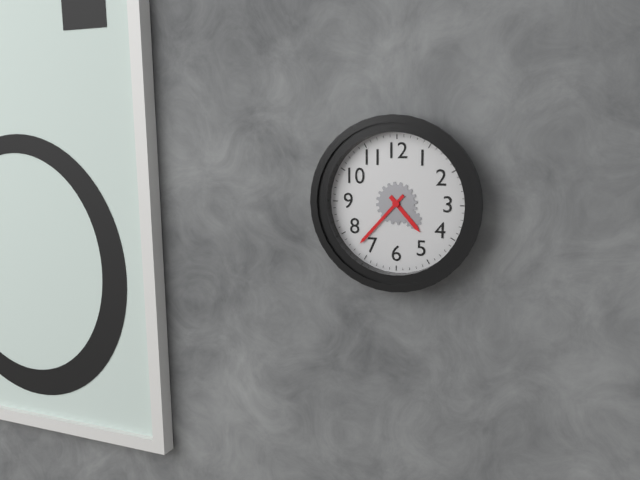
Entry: h=4 m=37
